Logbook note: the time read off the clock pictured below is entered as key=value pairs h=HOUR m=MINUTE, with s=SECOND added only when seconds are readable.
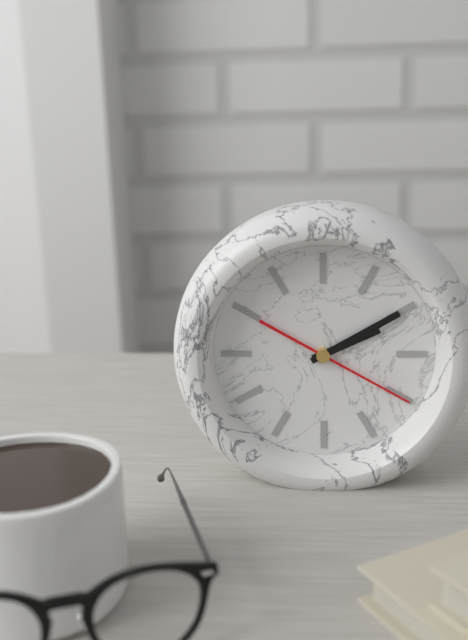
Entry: h=2 m=10 s=20
